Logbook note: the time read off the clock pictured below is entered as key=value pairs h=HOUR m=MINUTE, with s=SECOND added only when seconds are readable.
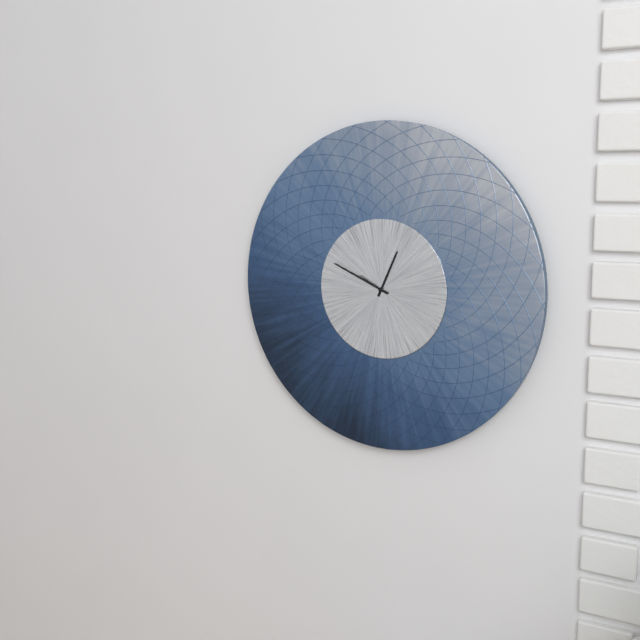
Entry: h=12 m=49
